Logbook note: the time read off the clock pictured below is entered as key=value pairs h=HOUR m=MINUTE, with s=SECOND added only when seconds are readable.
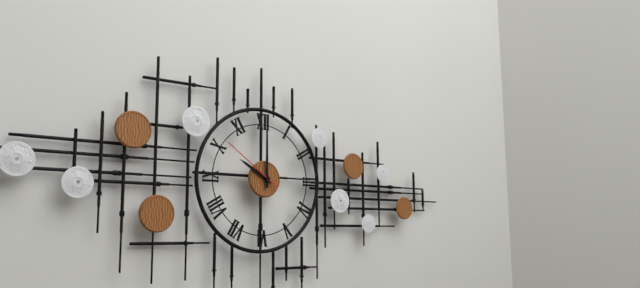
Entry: h=10 m=0 s=51
